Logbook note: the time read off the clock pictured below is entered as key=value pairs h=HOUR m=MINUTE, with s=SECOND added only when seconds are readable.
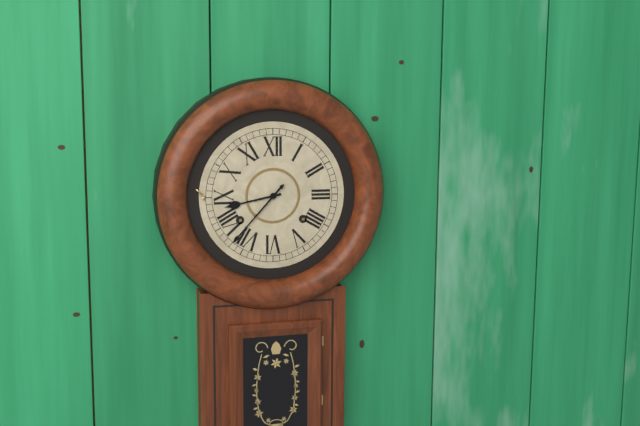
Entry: h=8 m=37
